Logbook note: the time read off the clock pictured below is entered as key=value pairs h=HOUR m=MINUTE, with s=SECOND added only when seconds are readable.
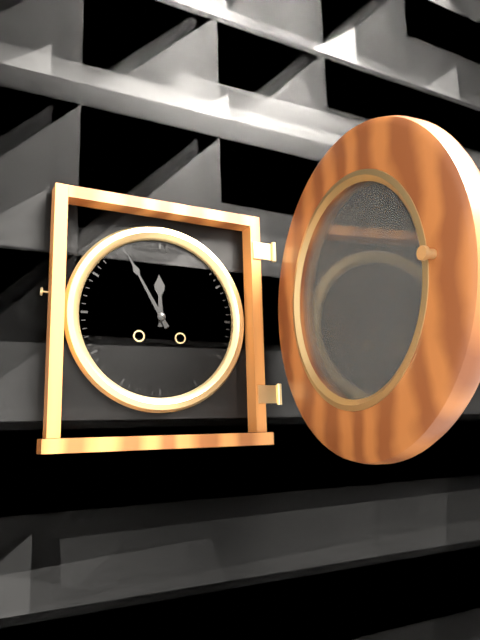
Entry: h=11 m=55
